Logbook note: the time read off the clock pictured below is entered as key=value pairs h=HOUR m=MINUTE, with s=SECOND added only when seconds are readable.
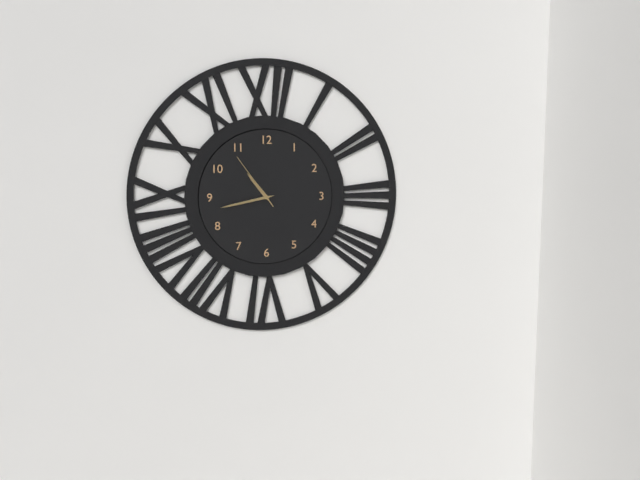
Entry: h=10 m=43 s=54
